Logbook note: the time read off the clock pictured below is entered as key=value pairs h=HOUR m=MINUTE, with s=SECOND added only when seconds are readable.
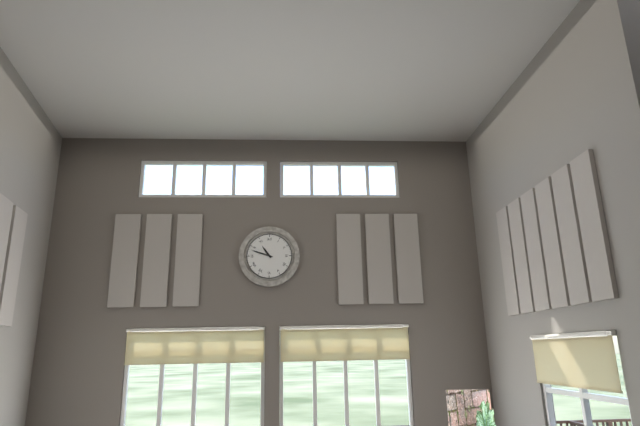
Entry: h=10 m=48
